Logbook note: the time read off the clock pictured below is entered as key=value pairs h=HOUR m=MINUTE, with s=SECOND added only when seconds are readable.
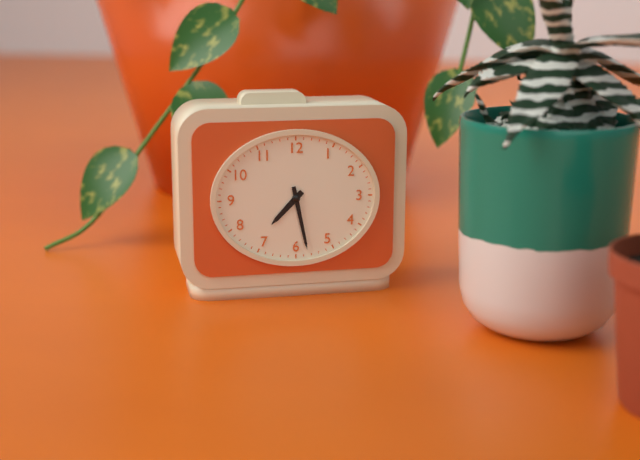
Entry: h=7 m=28
